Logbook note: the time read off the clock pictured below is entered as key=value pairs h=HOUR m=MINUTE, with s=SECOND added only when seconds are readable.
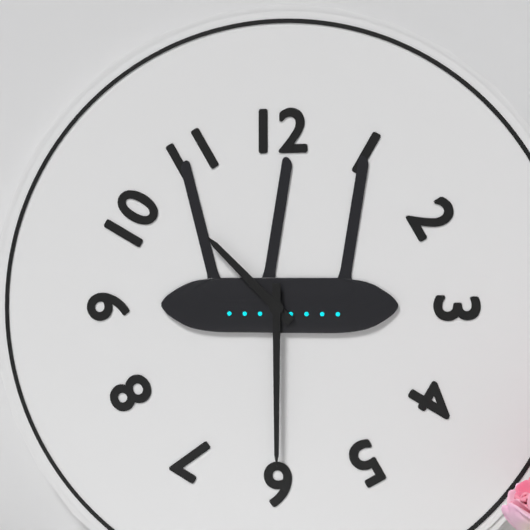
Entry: h=10 m=30
